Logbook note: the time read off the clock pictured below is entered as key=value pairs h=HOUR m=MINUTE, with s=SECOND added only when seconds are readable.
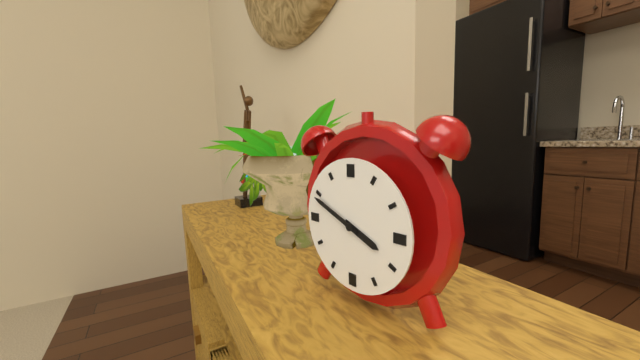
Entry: h=3 m=49
